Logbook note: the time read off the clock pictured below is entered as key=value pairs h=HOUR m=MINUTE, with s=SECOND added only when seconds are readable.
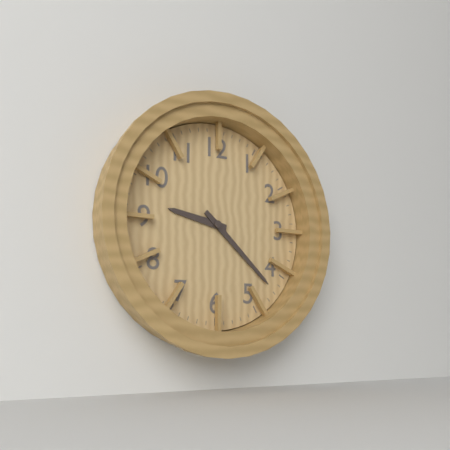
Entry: h=9 m=22
